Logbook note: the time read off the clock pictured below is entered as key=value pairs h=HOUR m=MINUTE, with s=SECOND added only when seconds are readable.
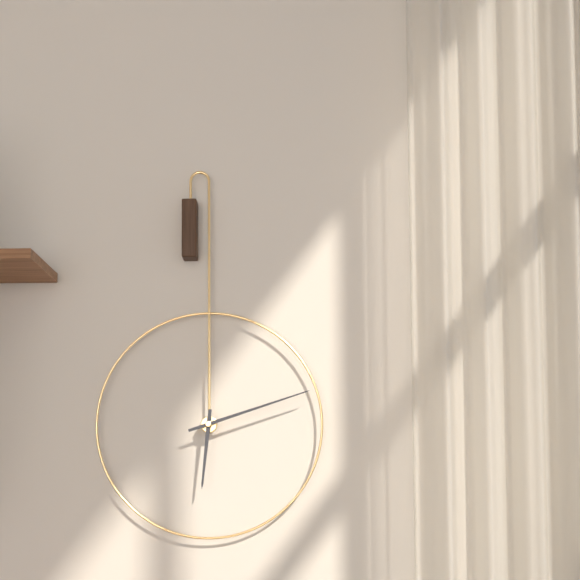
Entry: h=6 m=12
